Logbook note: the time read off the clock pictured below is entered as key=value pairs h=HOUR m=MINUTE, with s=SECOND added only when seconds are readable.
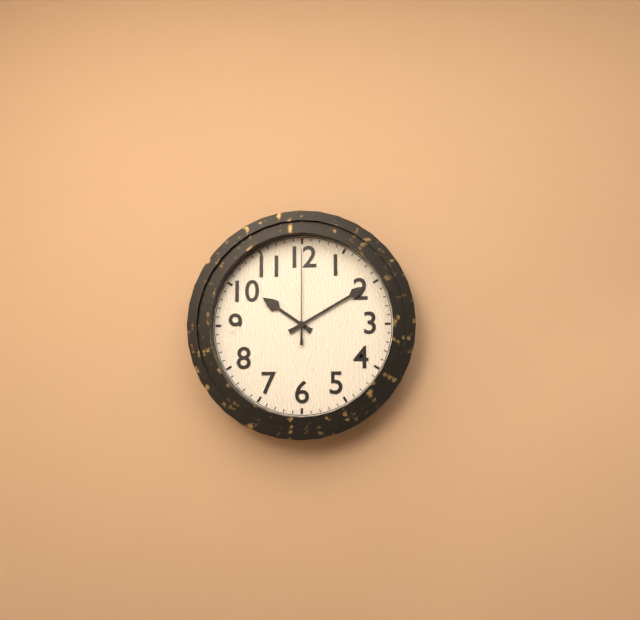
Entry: h=10 m=10 s=0
